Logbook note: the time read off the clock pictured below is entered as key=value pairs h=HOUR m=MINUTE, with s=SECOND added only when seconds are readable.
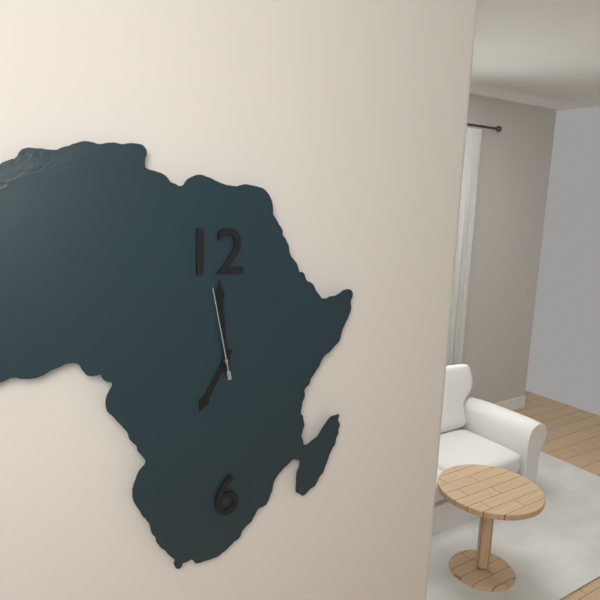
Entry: h=6 m=59 s=58
